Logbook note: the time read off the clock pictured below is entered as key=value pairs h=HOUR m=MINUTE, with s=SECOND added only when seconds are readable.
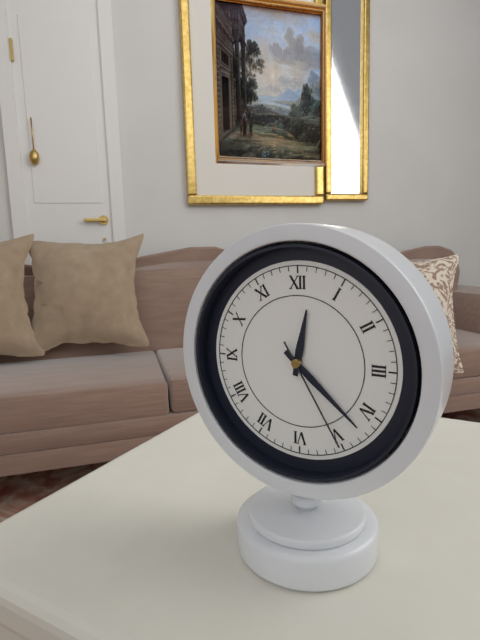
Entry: h=12 m=22 s=25
